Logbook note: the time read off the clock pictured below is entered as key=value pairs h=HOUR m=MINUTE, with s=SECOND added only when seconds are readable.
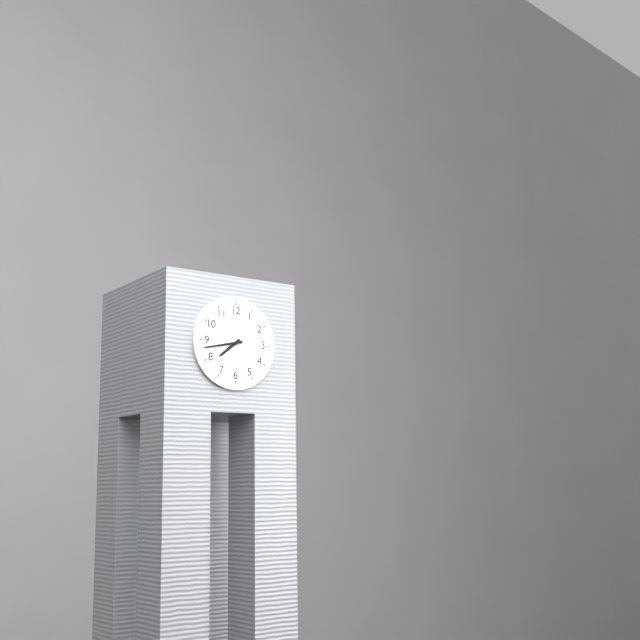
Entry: h=7 m=43
